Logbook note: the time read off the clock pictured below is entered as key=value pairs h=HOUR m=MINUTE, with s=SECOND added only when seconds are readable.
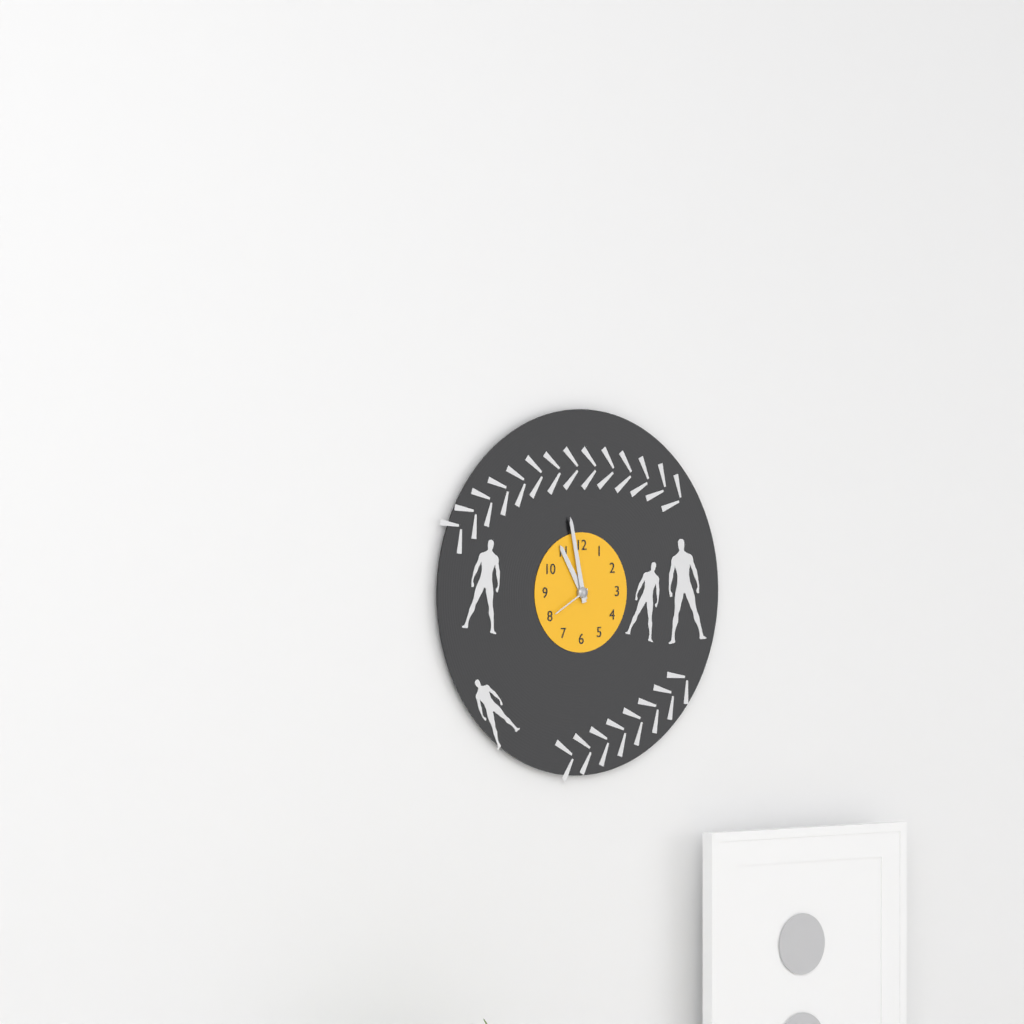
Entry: h=10 m=58
